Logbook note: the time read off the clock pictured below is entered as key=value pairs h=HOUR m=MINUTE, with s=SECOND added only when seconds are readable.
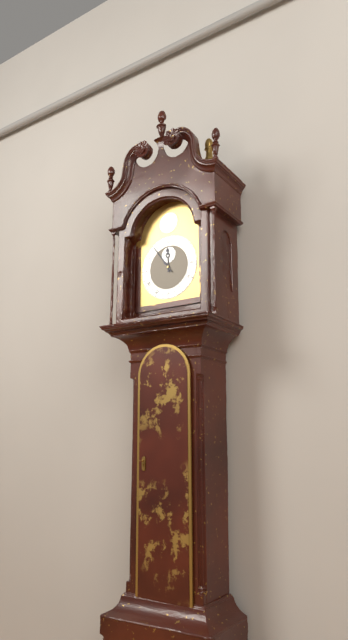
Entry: h=11 m=54
